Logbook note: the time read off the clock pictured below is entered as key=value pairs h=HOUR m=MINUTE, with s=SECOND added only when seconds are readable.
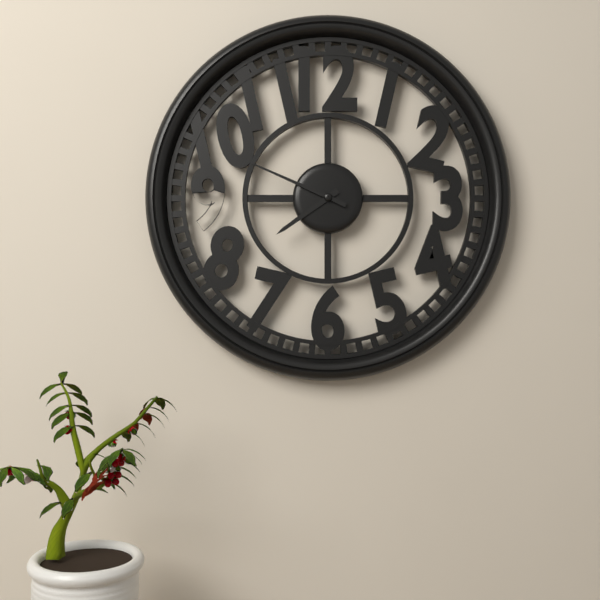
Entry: h=7 m=49
